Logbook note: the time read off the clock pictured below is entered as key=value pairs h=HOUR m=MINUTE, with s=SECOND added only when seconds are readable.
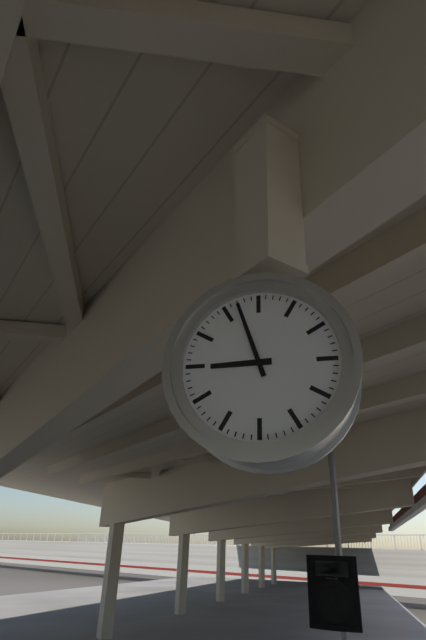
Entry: h=8 m=57
